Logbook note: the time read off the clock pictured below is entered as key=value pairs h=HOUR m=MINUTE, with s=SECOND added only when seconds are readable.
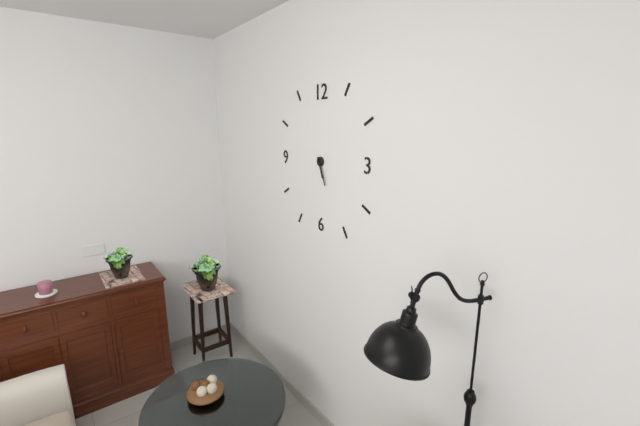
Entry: h=5 m=26
